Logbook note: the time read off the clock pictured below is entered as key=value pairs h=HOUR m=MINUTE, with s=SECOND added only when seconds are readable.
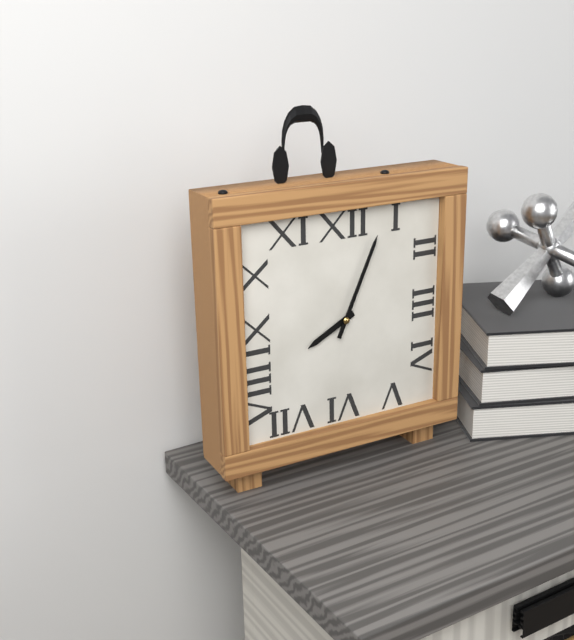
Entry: h=8 m=4
